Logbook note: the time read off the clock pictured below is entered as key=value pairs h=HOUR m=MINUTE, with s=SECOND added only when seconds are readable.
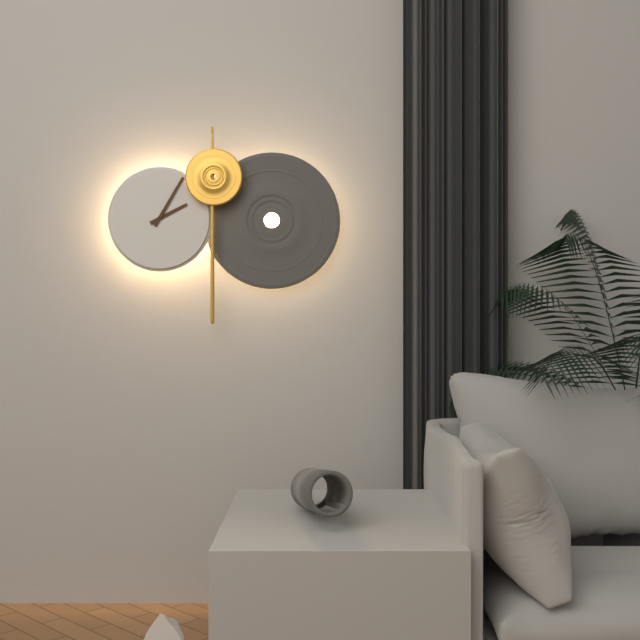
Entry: h=2 m=5
